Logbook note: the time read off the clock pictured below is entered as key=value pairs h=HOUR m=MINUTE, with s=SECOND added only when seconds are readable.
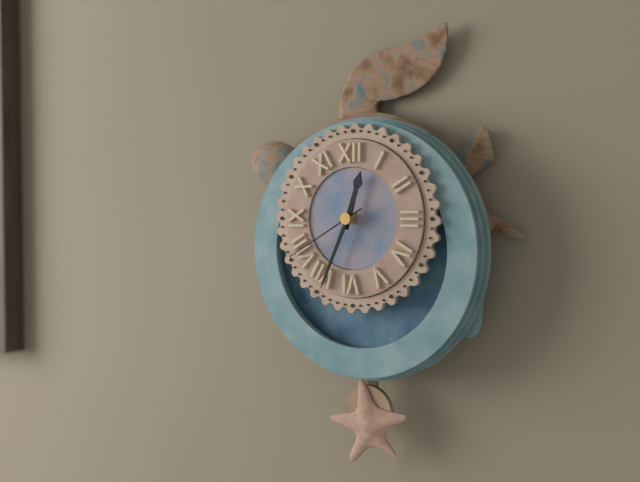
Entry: h=12 m=34 s=40
